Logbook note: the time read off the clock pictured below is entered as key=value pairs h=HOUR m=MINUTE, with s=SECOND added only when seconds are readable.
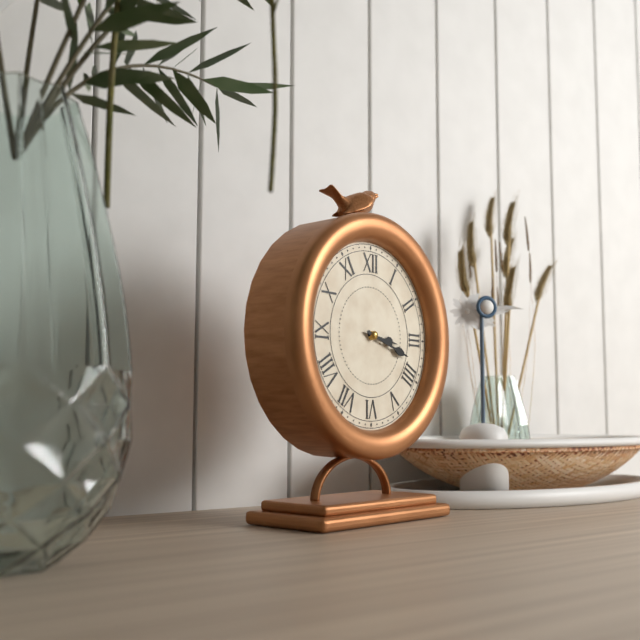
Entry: h=3 m=18
